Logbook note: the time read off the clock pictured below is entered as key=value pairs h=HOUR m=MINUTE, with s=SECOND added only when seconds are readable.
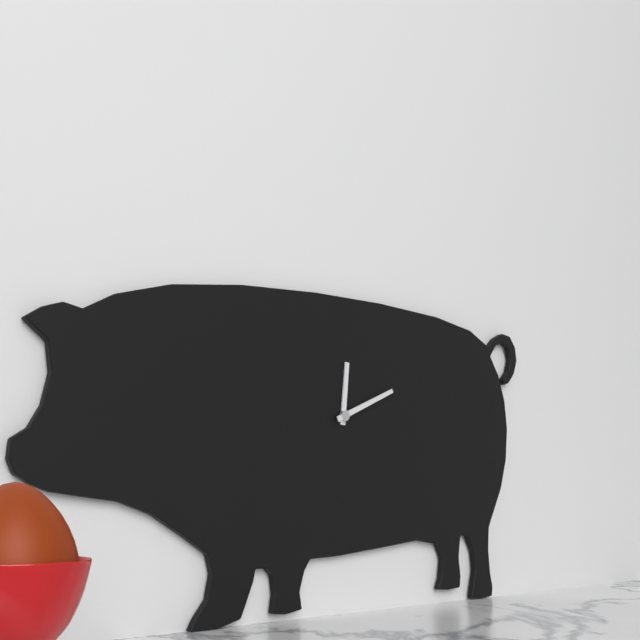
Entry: h=12 m=11
